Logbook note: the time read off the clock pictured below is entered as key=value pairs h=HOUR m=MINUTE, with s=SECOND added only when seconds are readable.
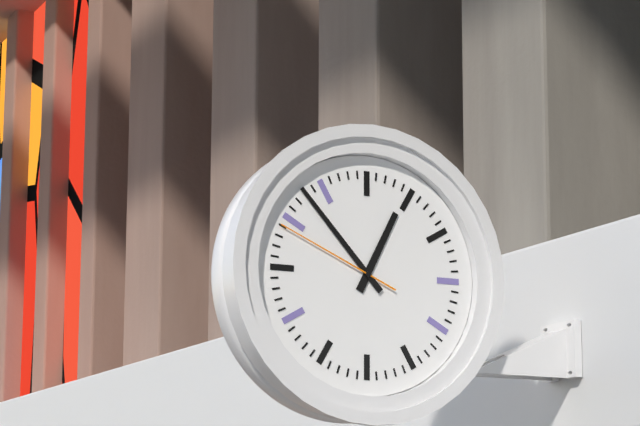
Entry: h=12 m=53 s=49
